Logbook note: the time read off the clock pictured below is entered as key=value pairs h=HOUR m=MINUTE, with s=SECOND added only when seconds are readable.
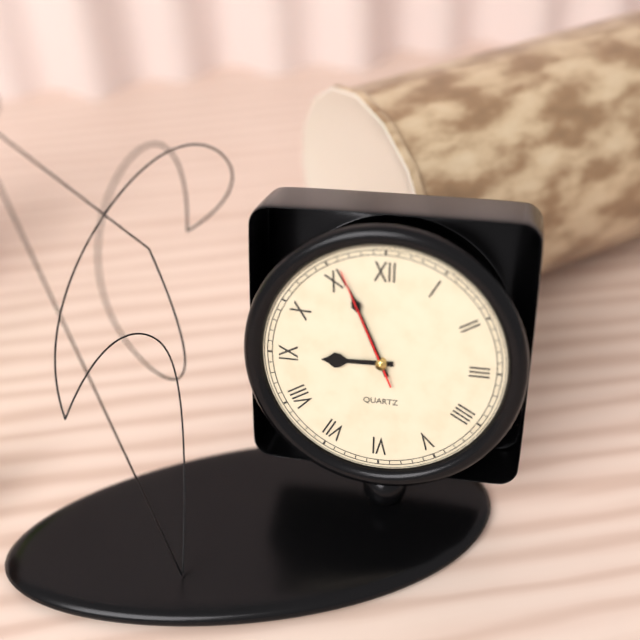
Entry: h=8 m=56 s=56
